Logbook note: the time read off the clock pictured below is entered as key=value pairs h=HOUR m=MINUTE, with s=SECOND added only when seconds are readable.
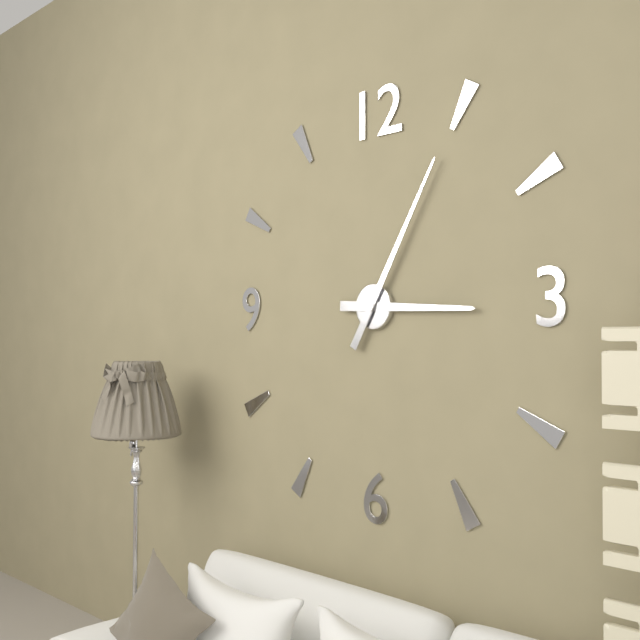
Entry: h=3 m=5
